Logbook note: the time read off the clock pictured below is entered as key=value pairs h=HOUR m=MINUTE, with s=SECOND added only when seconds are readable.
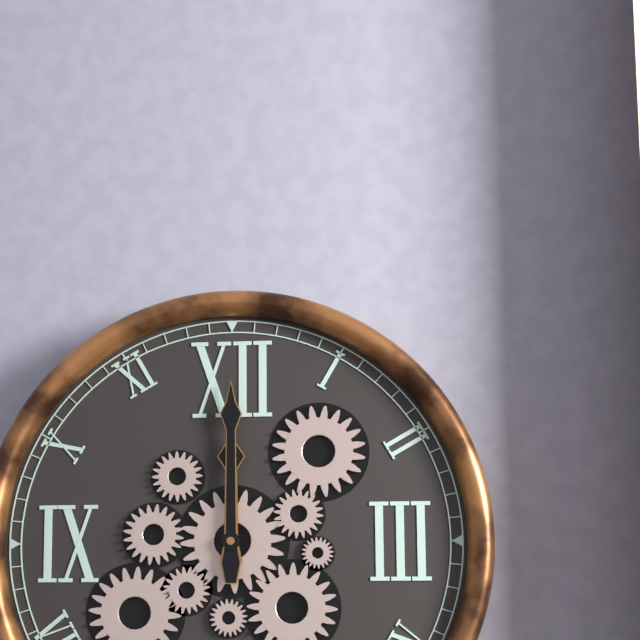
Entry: h=12 m=0
